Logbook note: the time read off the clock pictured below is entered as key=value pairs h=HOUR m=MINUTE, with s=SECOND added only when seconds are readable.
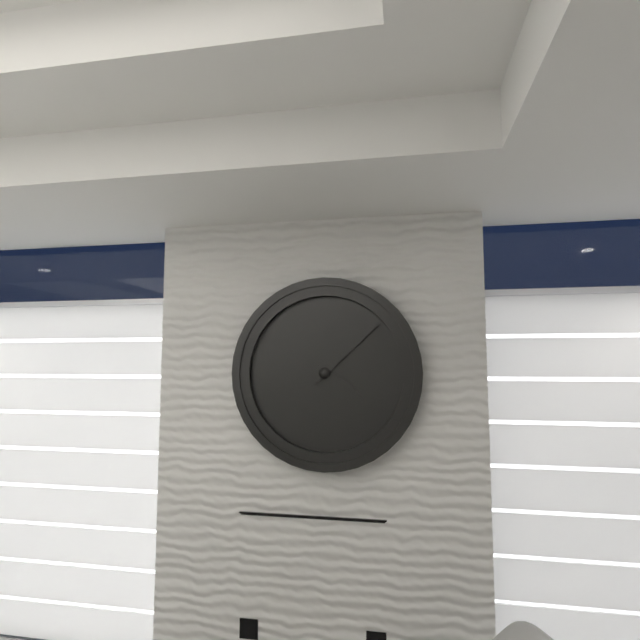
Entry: h=4 m=8
